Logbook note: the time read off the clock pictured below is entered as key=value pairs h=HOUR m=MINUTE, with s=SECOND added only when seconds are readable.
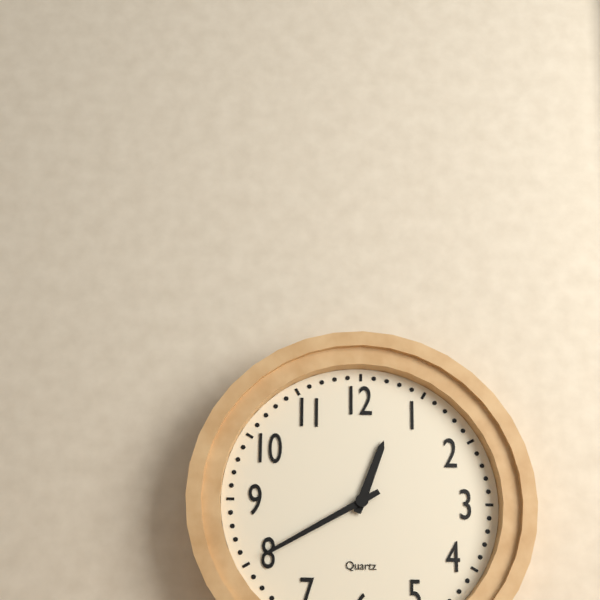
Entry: h=12 m=40
